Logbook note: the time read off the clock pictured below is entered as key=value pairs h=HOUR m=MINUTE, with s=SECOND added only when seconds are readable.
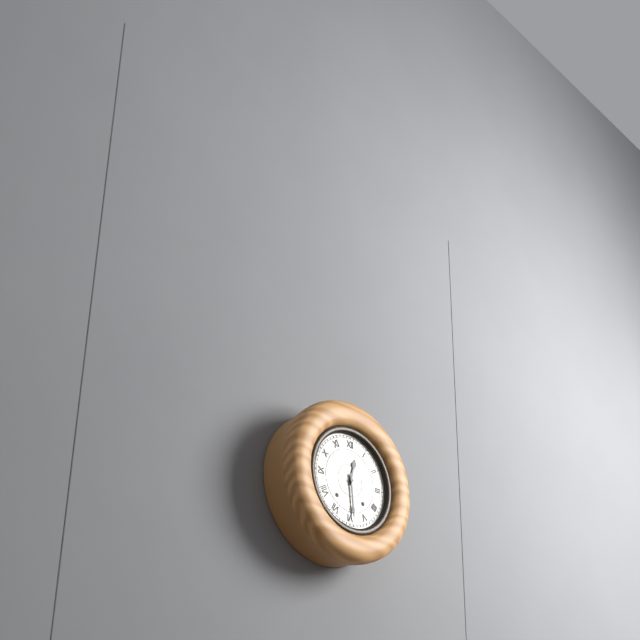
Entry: h=12 m=29
